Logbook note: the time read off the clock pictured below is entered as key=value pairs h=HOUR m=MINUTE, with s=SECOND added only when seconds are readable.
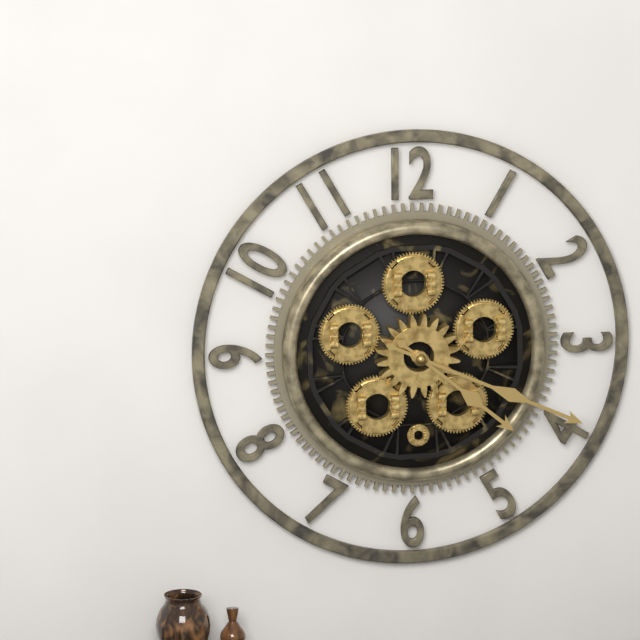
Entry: h=4 m=19
